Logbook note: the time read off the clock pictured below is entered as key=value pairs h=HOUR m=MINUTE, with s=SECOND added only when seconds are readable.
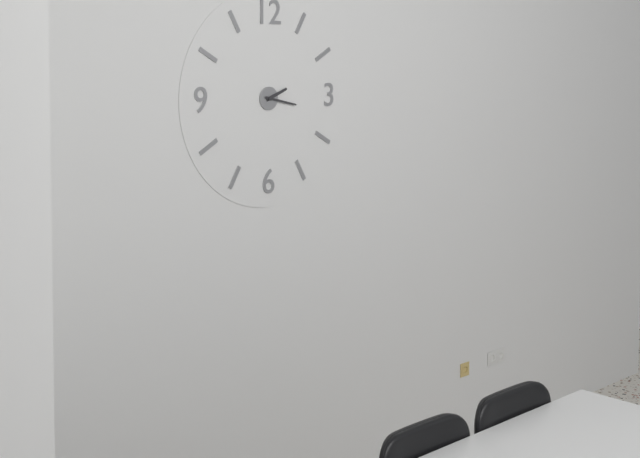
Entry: h=2 m=17
